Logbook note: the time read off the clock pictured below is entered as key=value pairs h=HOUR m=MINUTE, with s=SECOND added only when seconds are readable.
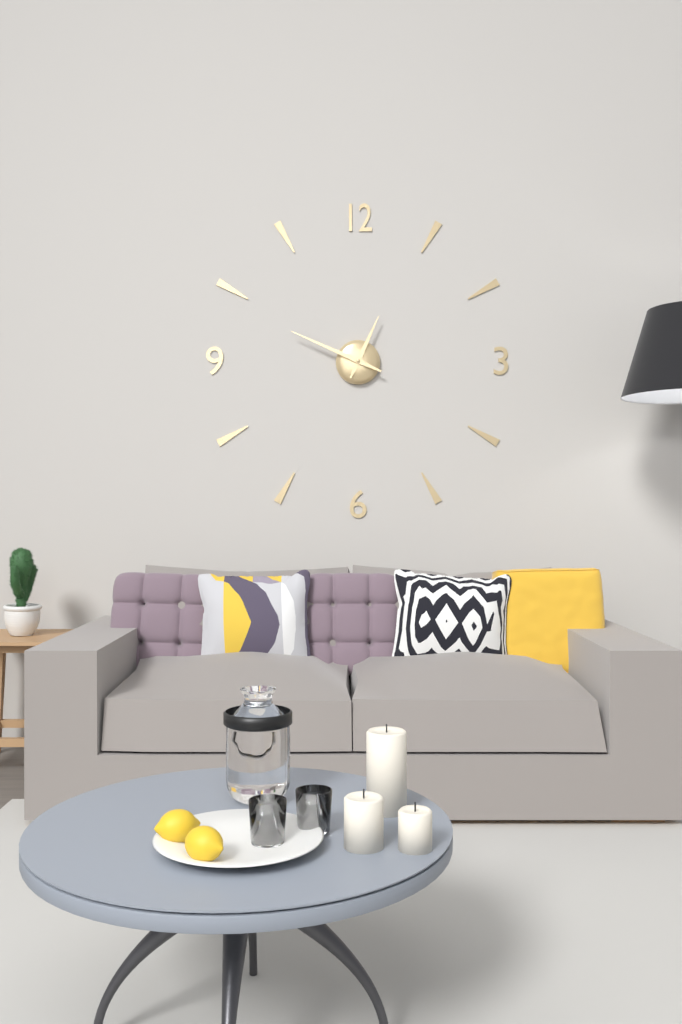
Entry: h=12 m=49
